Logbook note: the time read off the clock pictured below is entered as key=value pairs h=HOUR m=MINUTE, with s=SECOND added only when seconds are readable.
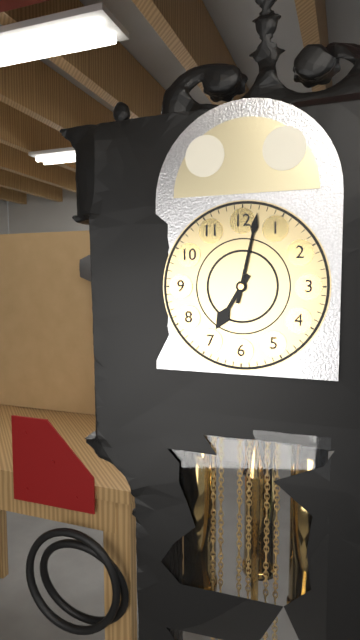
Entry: h=7 m=2
